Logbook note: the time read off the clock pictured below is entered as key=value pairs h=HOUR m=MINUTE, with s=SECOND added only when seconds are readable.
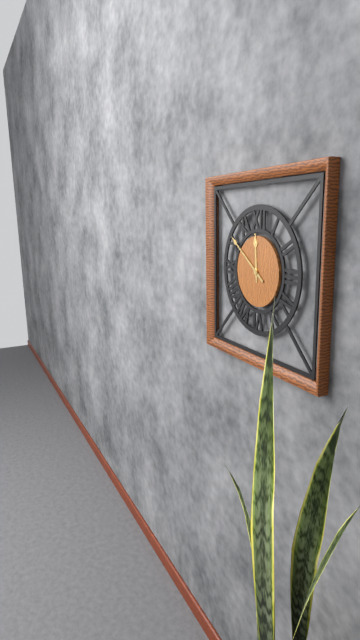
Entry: h=11 m=51
